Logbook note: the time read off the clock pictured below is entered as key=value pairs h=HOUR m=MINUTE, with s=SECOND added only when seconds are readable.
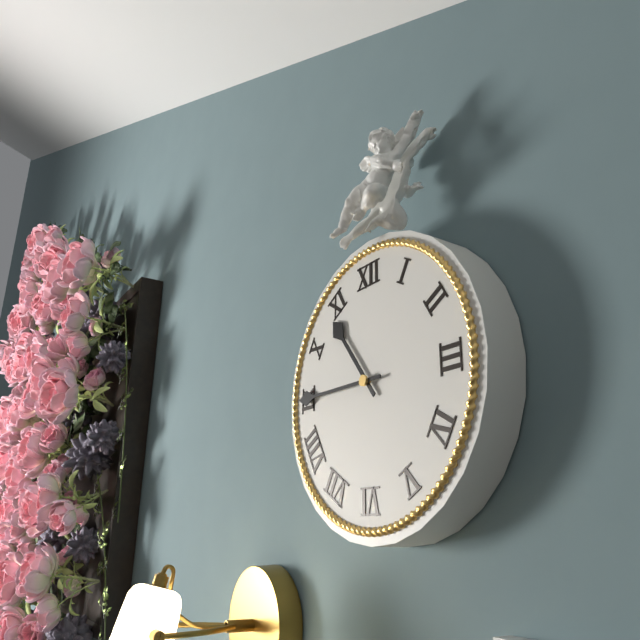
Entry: h=10 m=45
